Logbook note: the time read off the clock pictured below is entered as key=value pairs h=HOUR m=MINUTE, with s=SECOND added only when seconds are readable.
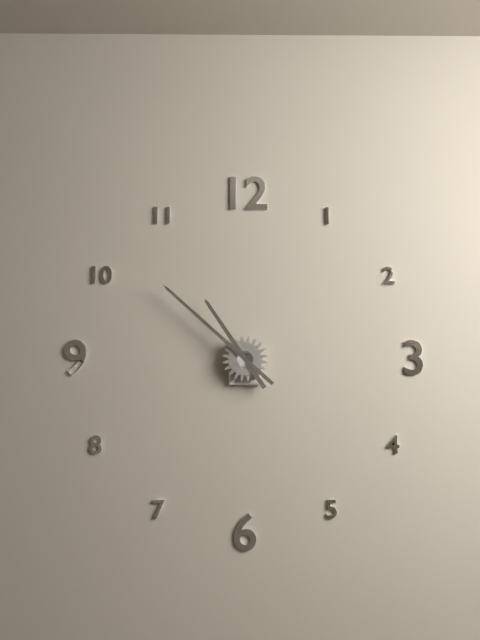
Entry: h=10 m=52
